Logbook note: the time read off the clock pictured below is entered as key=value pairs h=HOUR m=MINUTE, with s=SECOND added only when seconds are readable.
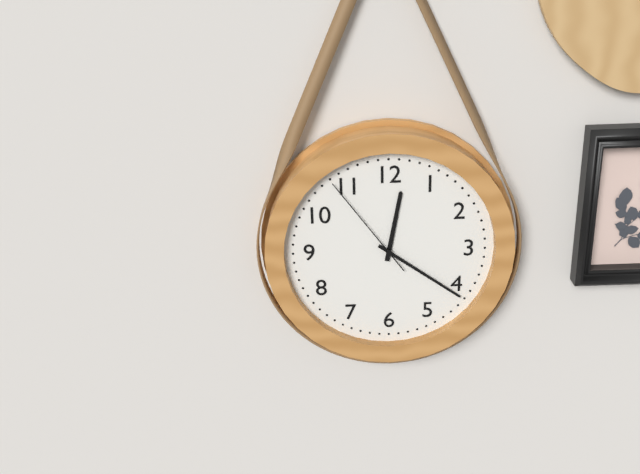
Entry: h=12 m=21 s=54
